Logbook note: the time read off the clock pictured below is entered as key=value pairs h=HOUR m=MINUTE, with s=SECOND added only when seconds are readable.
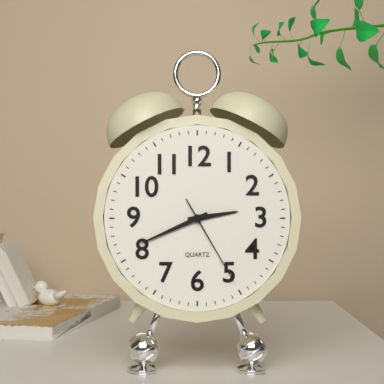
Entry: h=2 m=41 s=25
